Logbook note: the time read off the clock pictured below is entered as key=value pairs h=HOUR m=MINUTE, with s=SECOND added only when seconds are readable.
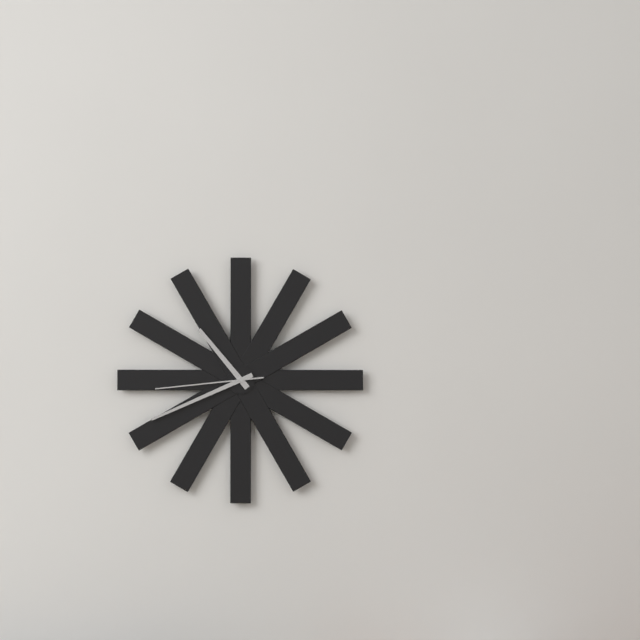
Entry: h=10 m=41 s=44
